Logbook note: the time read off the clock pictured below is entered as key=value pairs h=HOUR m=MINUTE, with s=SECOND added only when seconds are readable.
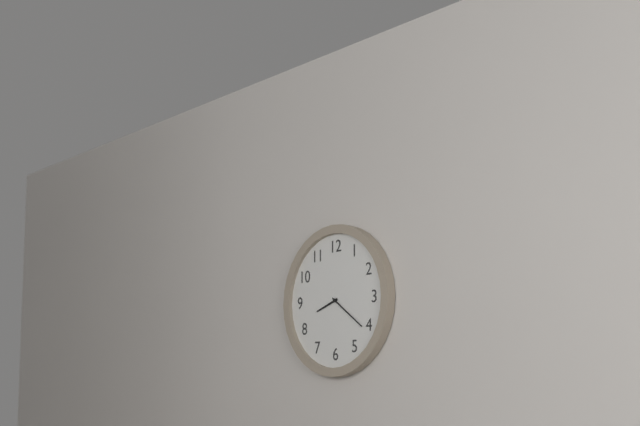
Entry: h=8 m=21
